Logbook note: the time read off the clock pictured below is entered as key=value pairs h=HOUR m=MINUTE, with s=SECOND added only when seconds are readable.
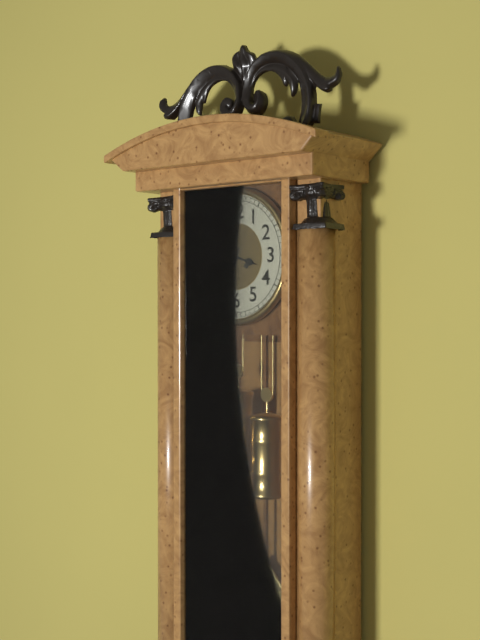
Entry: h=3 m=35
